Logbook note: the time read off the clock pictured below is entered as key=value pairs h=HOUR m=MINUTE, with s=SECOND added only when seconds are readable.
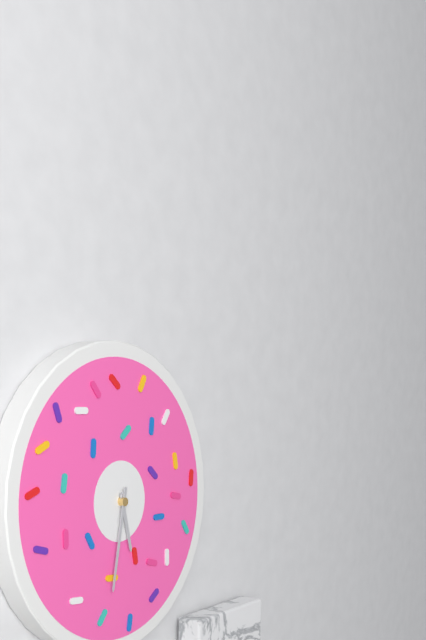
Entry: h=5 m=32
